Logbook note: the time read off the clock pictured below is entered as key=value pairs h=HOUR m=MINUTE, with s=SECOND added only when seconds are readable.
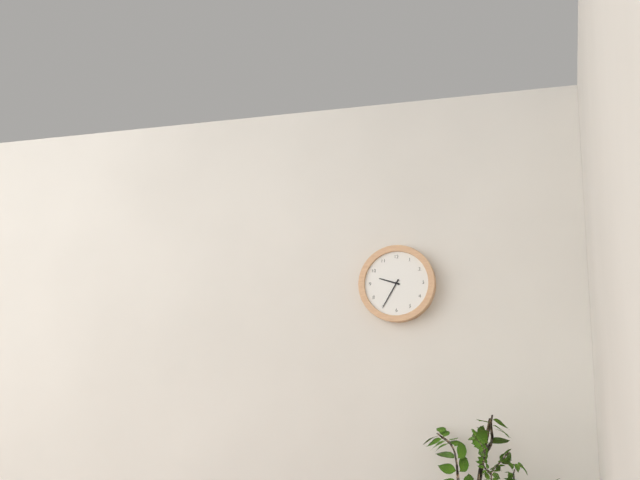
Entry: h=9 m=35
